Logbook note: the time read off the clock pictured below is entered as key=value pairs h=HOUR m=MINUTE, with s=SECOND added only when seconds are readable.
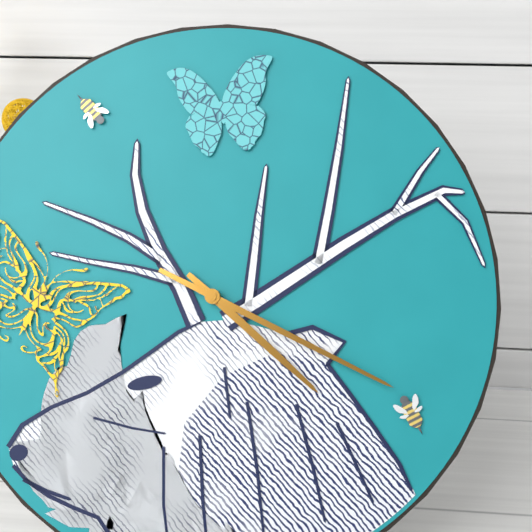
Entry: h=4 m=19
